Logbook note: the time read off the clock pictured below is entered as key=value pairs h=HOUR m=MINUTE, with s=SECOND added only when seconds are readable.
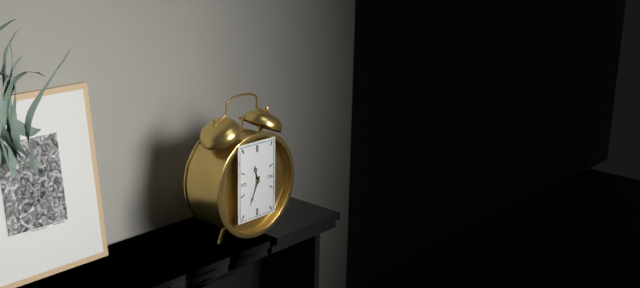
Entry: h=11 m=34
